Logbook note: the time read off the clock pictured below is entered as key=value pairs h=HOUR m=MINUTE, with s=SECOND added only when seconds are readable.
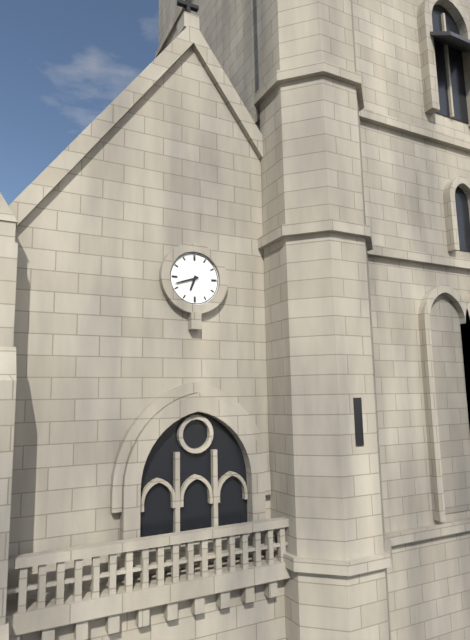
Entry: h=6 m=42
